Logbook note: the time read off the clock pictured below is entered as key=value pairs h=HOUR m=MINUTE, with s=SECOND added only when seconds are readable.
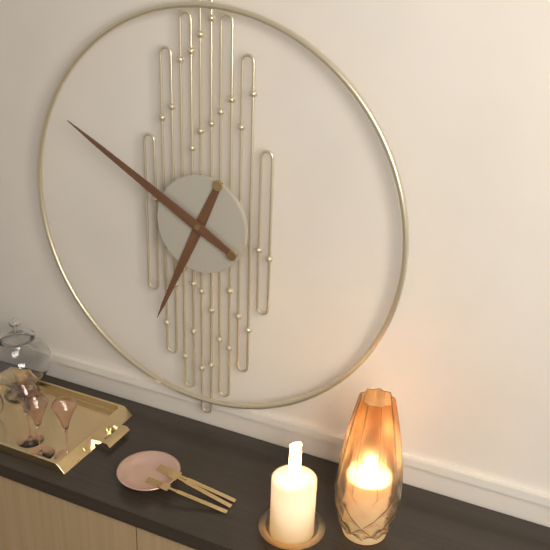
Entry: h=6 m=50
